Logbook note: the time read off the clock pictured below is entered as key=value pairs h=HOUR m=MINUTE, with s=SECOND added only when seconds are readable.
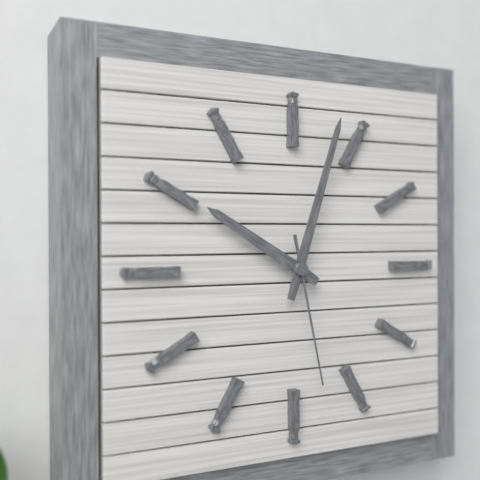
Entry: h=10 m=3 s=28
